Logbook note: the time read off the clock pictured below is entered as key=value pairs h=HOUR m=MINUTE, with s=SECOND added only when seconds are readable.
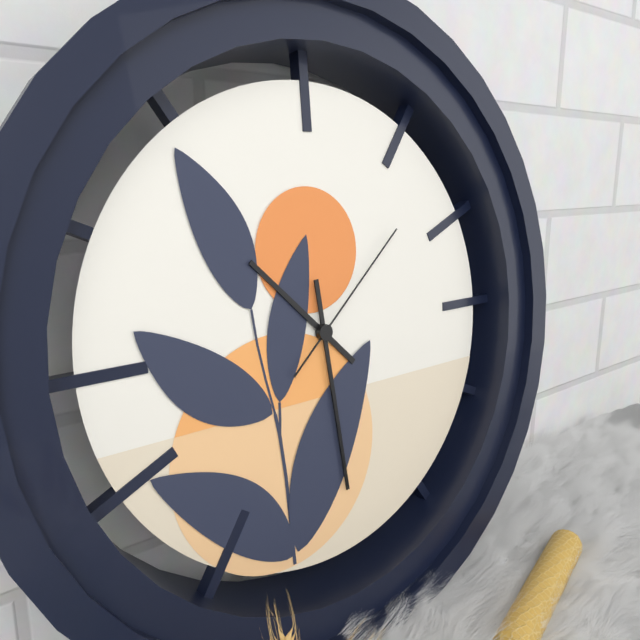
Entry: h=10 m=29 s=8
